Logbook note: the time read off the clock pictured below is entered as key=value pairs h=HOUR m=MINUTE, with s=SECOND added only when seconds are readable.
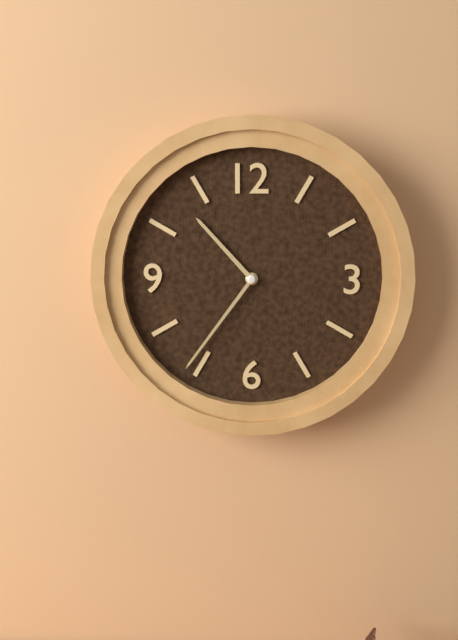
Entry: h=10 m=36
